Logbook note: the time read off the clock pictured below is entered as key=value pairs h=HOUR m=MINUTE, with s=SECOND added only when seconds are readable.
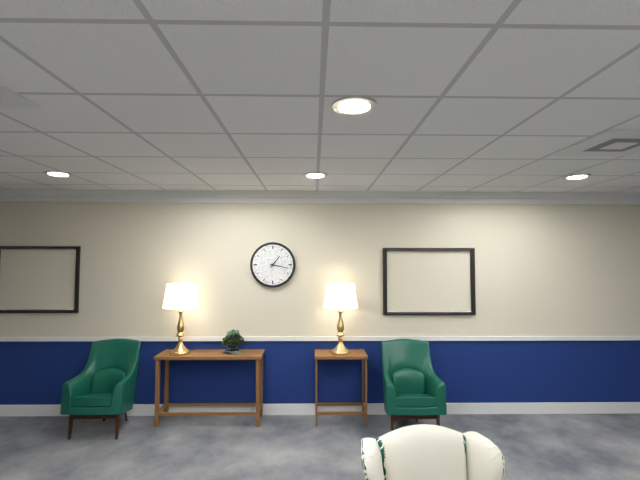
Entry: h=1 m=17
